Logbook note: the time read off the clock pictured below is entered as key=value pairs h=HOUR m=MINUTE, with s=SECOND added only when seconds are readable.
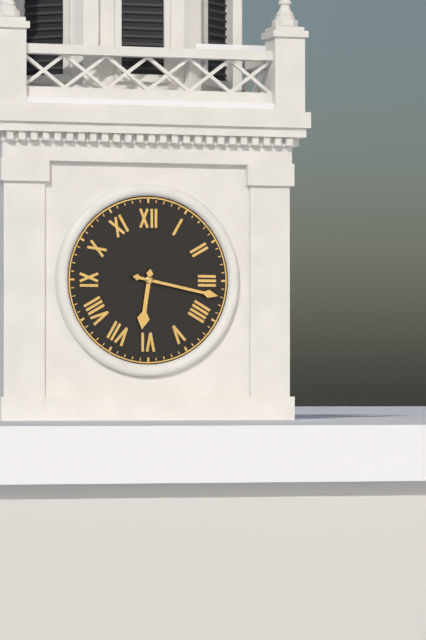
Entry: h=6 m=17
